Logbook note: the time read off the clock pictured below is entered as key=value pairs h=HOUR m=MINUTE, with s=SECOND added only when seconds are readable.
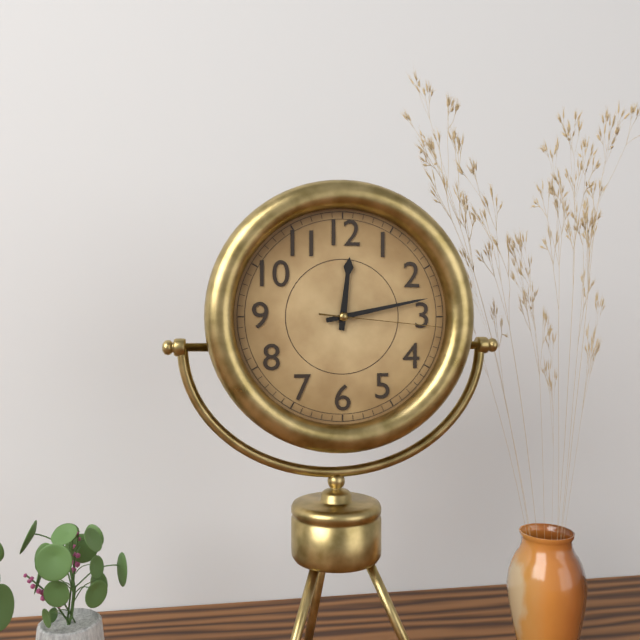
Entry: h=12 m=13 s=16
